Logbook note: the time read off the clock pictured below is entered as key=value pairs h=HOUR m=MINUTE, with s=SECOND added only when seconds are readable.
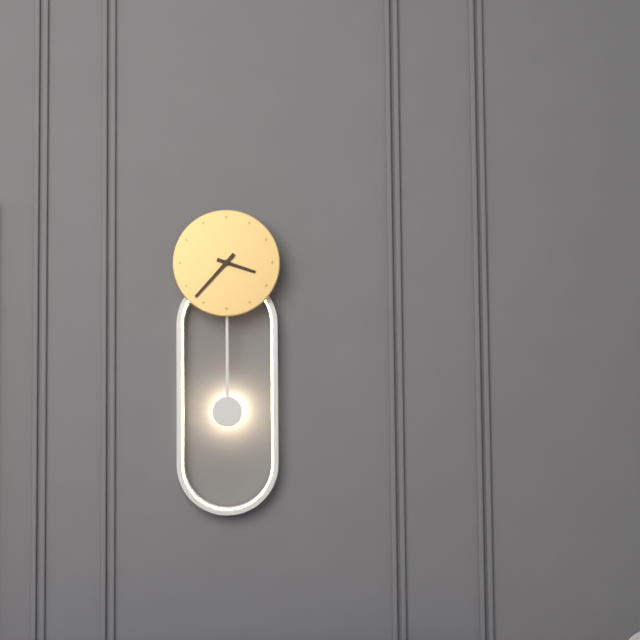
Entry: h=3 m=37
